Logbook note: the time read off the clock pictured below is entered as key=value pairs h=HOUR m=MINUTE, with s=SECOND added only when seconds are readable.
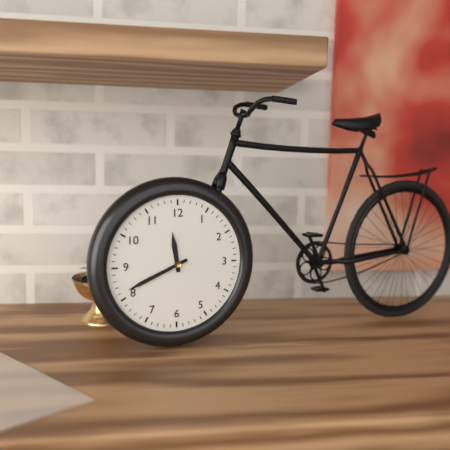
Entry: h=11 m=41
